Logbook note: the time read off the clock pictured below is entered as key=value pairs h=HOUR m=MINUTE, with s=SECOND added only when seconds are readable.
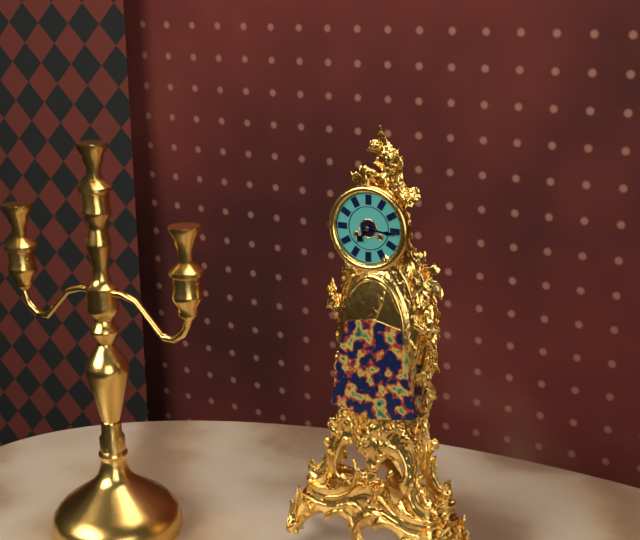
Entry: h=7 m=16
